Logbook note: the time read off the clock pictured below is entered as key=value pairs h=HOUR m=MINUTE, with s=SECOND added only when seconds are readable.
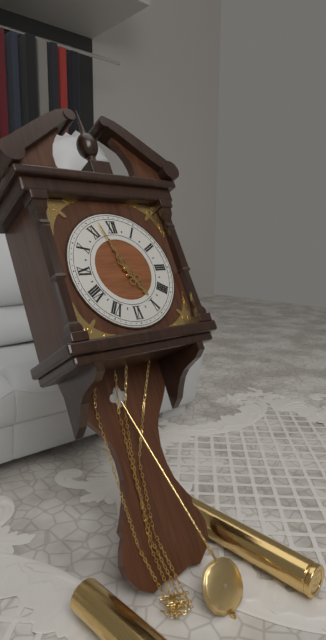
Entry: h=4 m=57
